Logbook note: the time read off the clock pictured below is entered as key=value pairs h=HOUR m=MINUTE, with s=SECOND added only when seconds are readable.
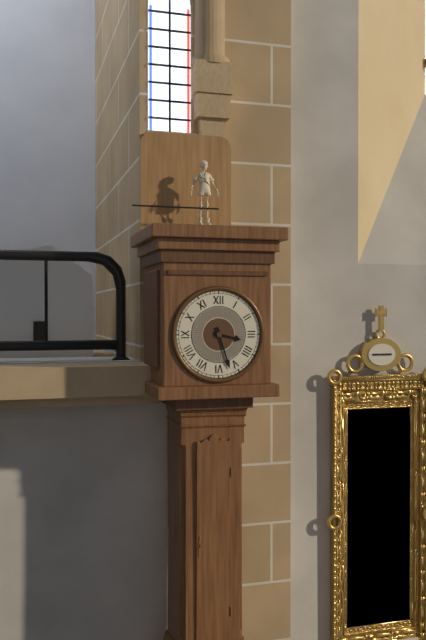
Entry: h=3 m=27
